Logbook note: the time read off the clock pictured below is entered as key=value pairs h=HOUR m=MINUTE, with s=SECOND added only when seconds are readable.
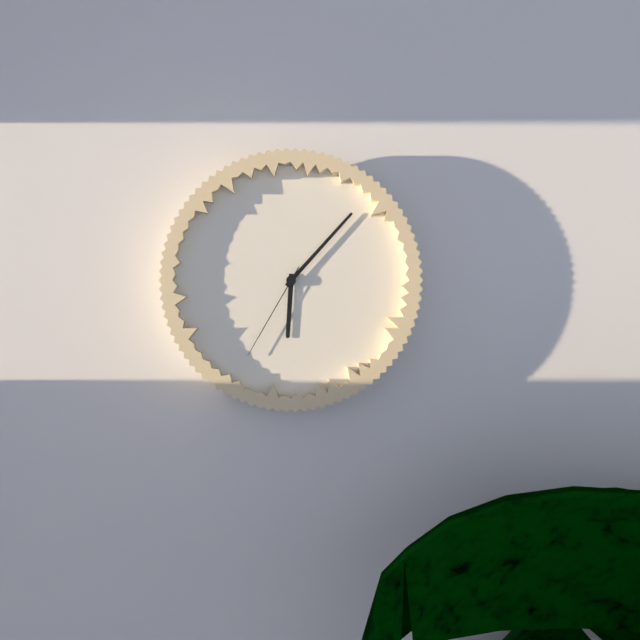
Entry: h=6 m=7 s=35
